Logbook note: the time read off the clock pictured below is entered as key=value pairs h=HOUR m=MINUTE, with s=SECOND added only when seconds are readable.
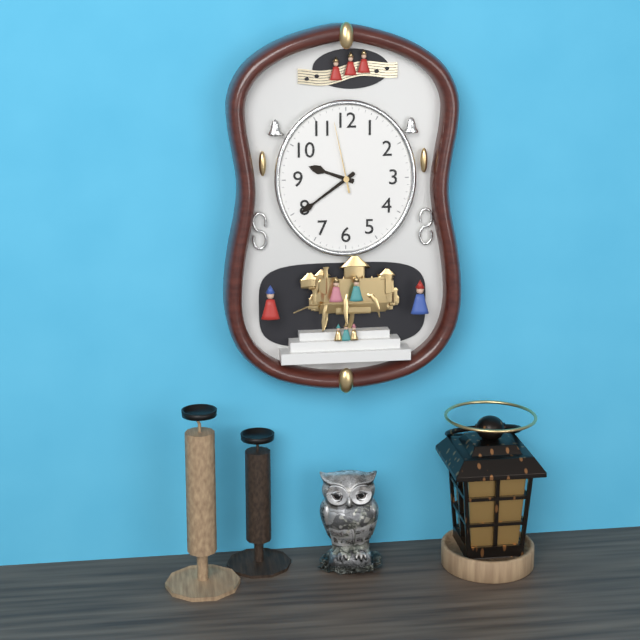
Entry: h=9 m=39 s=58
